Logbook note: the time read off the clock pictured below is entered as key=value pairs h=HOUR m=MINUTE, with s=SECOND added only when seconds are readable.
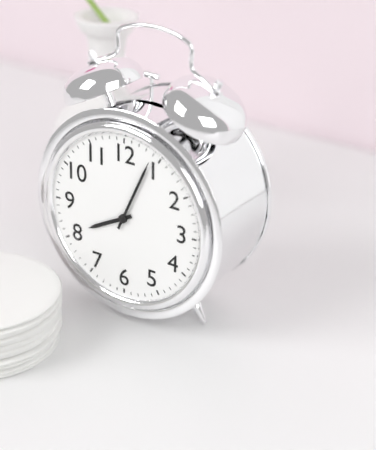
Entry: h=8 m=4
